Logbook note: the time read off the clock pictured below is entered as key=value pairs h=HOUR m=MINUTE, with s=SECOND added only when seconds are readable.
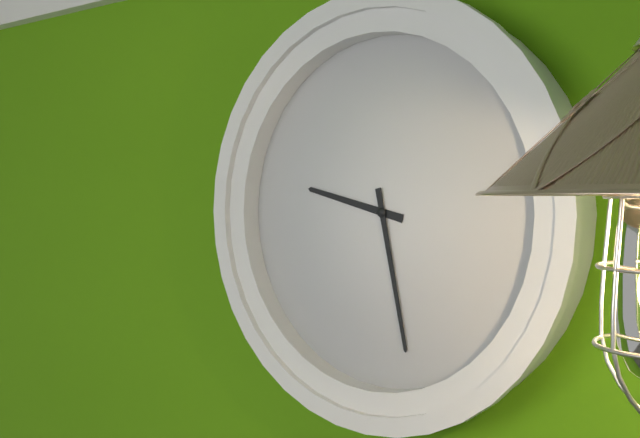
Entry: h=9 m=28
